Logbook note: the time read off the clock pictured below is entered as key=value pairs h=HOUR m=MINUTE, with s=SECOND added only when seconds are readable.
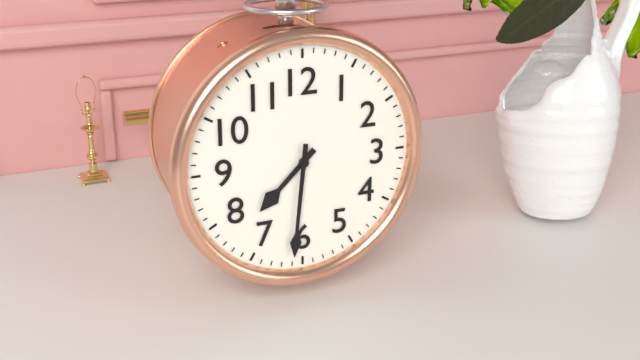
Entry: h=7 m=31
